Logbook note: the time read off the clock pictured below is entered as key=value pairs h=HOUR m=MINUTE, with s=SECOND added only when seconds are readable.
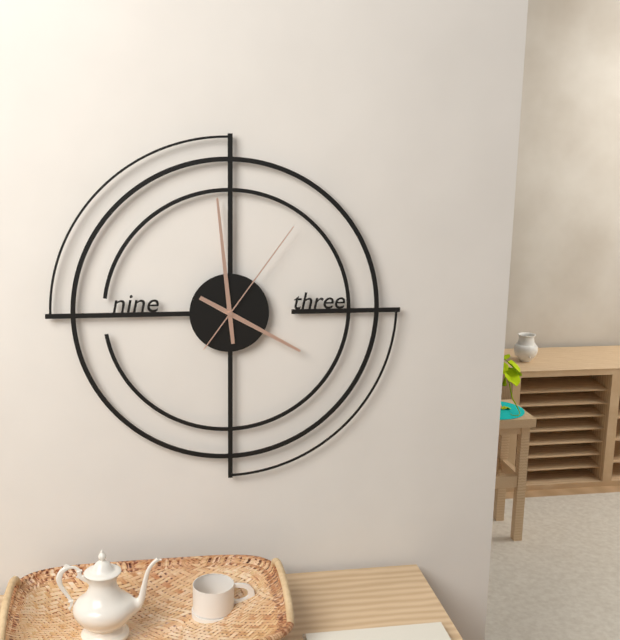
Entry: h=3 m=59 s=6
